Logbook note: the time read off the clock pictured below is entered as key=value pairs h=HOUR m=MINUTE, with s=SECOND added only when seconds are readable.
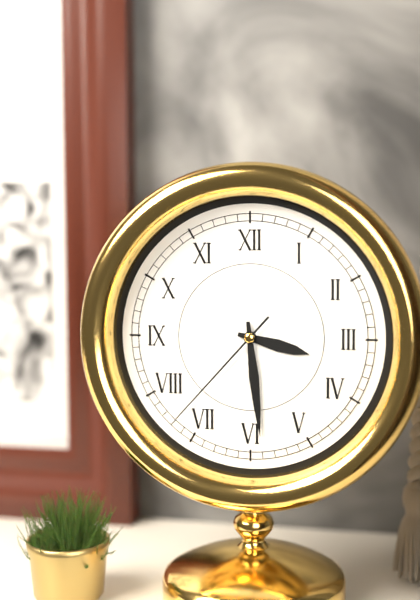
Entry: h=3 m=29 s=37
